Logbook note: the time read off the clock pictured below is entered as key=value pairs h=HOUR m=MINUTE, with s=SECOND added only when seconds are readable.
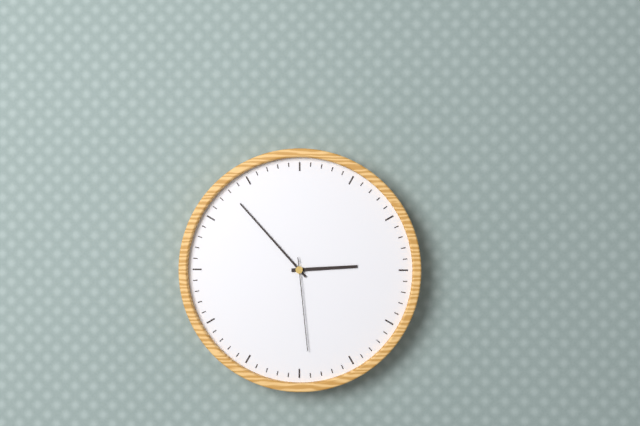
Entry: h=2 m=53 s=29
